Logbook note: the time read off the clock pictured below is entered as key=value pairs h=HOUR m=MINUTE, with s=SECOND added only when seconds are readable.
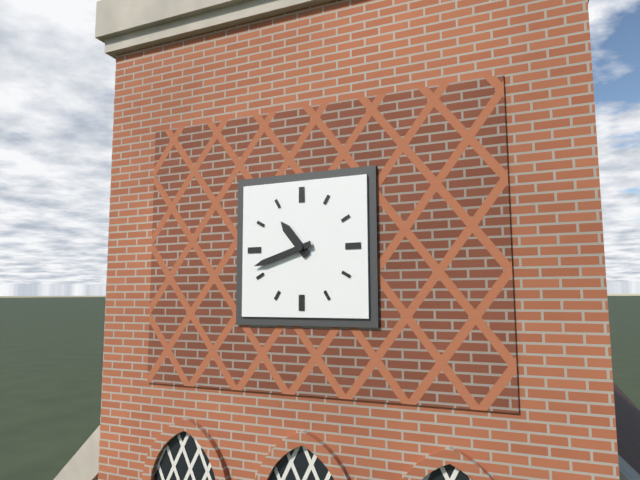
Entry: h=10 m=42
